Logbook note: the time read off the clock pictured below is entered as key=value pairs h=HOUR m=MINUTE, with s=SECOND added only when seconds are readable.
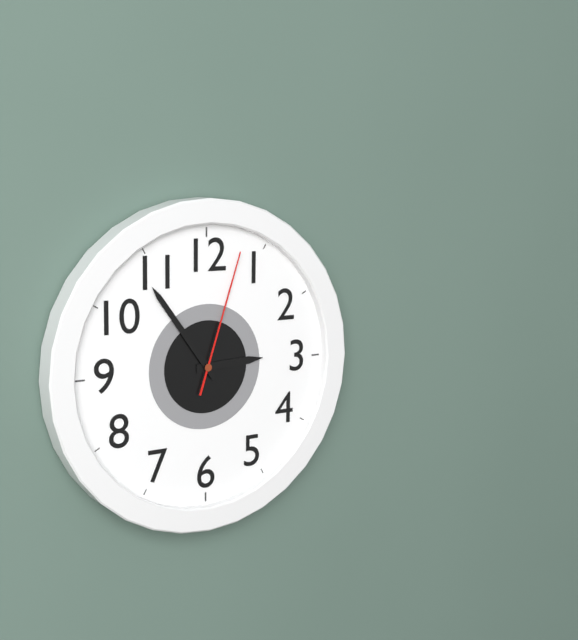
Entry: h=2 m=54 s=3
